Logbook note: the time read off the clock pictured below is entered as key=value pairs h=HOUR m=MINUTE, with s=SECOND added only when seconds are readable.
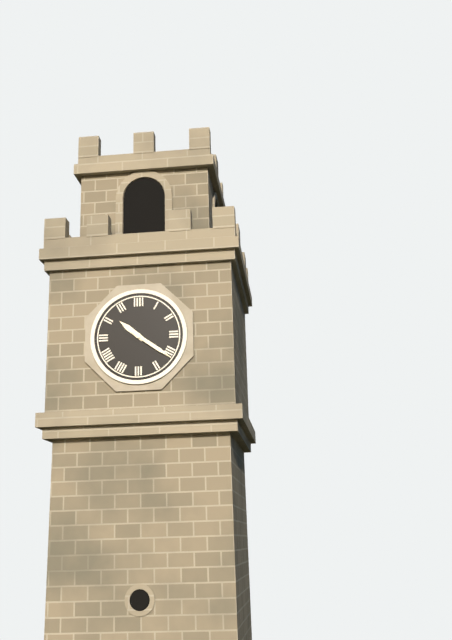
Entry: h=10 m=21
